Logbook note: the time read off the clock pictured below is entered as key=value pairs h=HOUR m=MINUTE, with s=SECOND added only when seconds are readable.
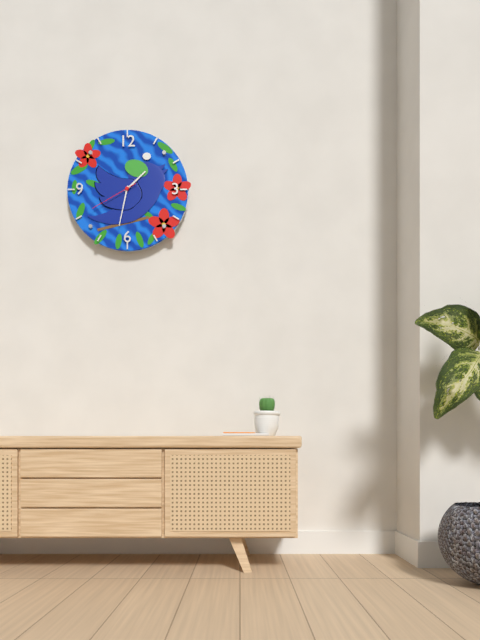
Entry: h=1 m=32 s=40
